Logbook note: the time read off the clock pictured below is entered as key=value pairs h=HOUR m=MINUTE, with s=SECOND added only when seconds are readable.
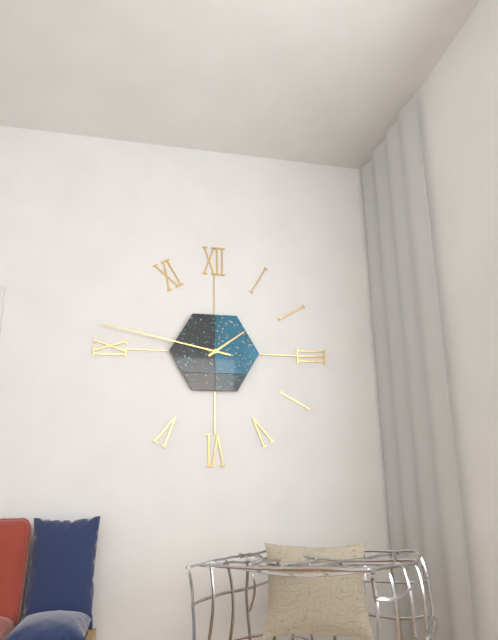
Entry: h=1 m=47
